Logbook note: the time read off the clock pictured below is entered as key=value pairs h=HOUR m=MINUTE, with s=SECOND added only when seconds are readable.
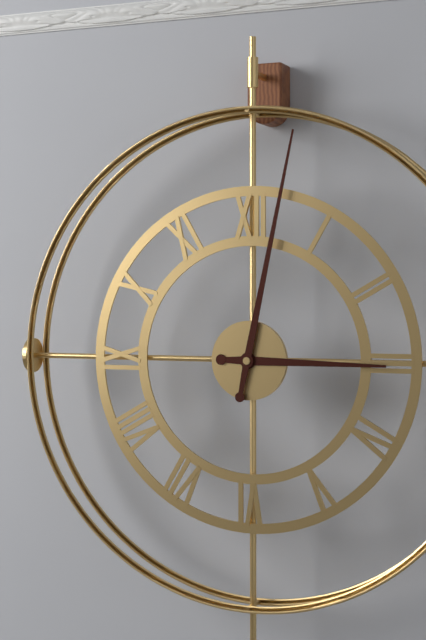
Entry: h=3 m=2
